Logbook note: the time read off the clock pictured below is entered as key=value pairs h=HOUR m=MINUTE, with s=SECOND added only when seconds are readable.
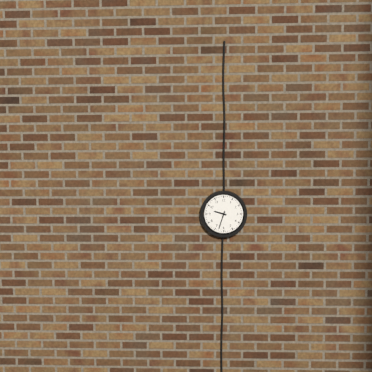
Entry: h=9 m=33
